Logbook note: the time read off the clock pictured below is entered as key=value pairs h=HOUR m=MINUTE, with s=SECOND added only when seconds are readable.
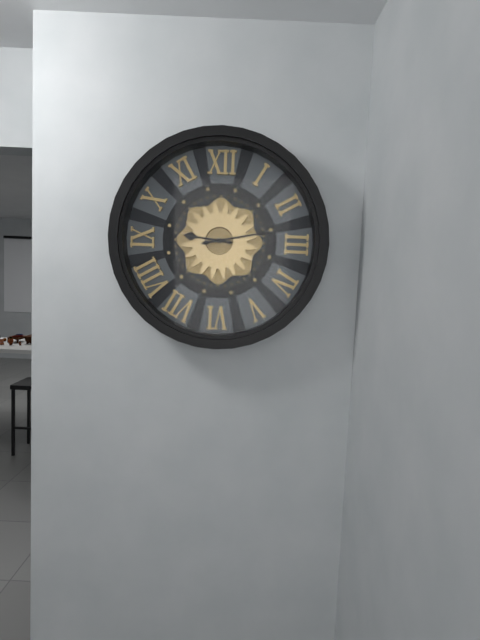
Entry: h=9 m=13
